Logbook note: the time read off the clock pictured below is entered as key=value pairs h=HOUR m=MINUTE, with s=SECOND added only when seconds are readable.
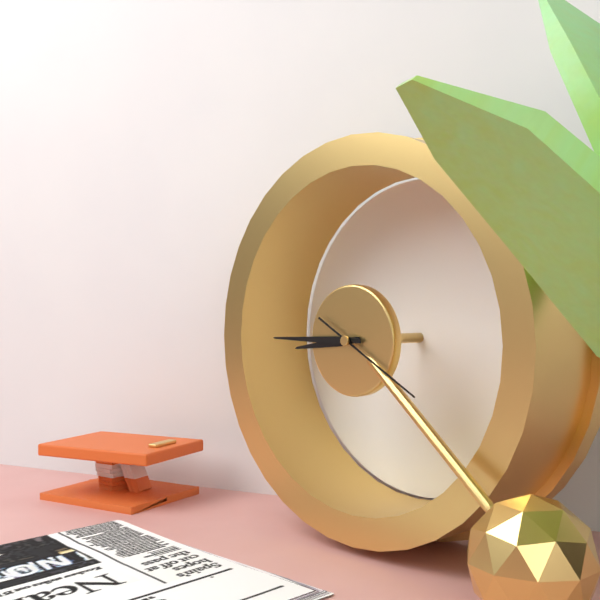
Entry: h=8 m=45 s=20
